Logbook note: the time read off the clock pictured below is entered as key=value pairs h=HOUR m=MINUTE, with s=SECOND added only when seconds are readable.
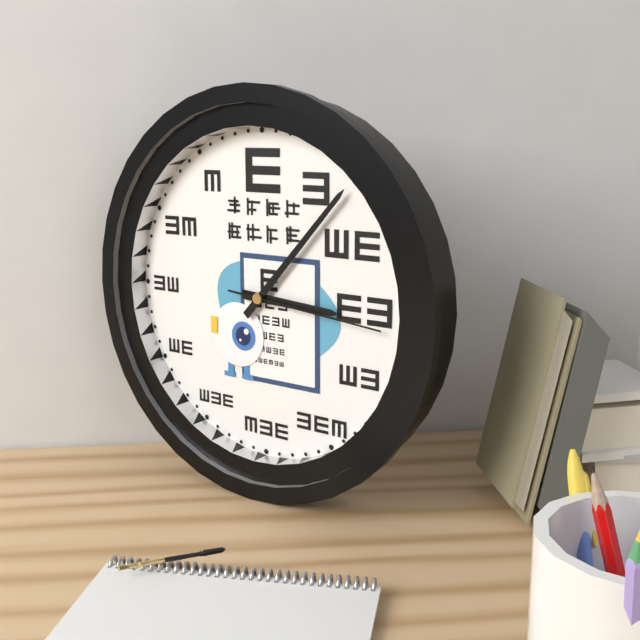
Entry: h=3 m=7 s=16
